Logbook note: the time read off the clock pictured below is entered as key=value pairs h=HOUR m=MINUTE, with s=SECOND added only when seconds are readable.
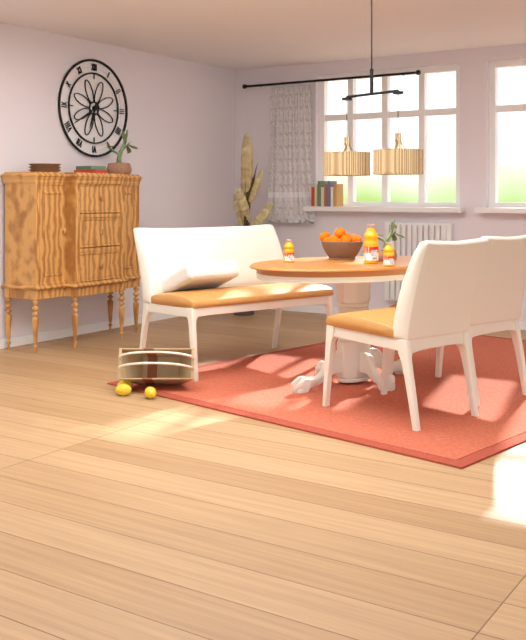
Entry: h=6 m=40
